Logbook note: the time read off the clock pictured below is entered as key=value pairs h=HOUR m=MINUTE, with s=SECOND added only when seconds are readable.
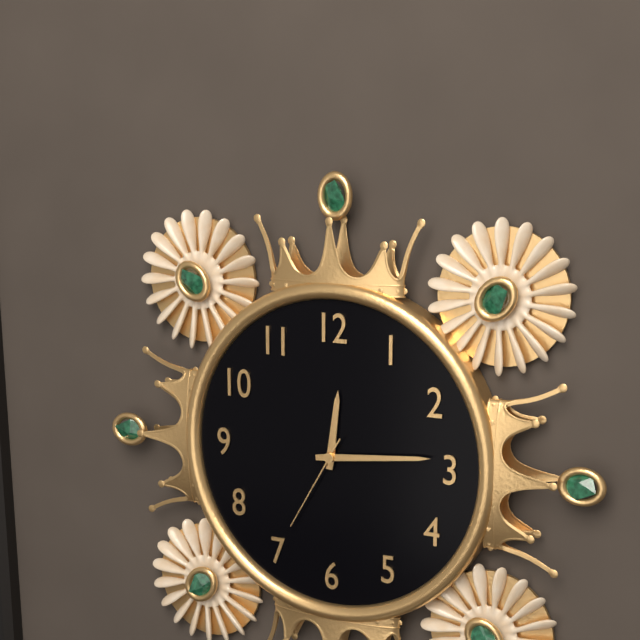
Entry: h=12 m=14 s=35
